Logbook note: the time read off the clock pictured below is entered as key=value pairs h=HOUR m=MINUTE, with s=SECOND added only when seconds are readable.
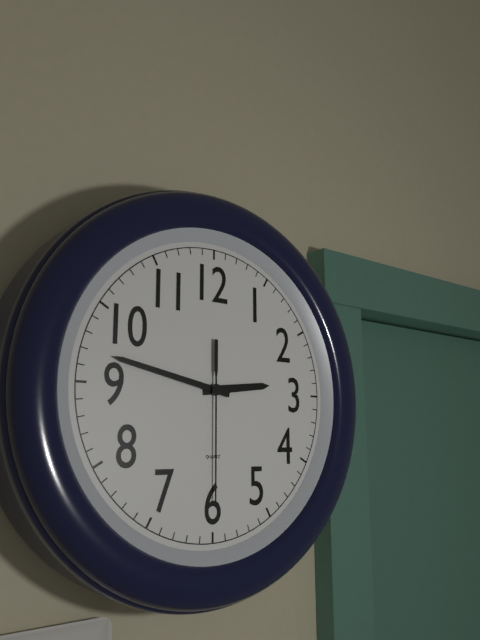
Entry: h=2 m=47 s=30
